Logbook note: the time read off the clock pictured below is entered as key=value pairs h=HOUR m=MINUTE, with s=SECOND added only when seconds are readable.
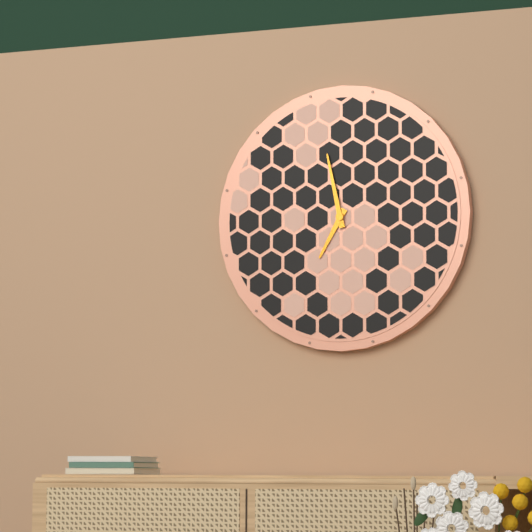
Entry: h=6 m=58
